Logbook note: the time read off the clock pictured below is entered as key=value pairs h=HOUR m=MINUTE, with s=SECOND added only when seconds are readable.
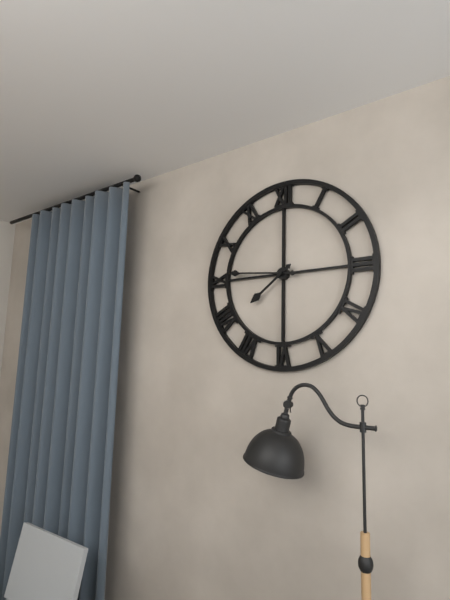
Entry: h=7 m=46
